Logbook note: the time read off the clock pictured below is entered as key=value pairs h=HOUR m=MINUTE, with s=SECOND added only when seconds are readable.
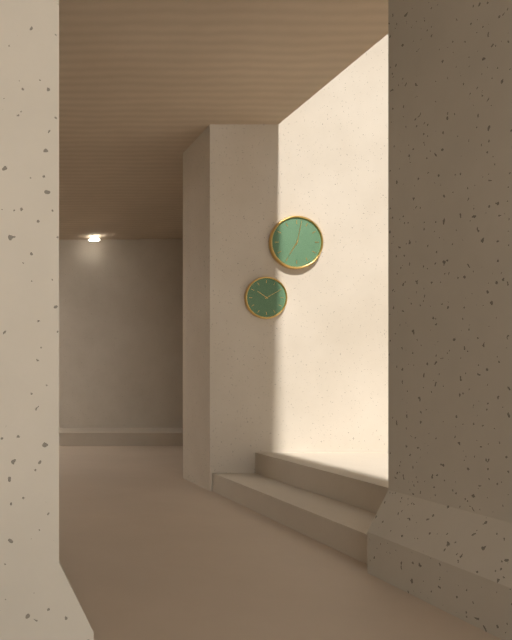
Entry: h=7 m=2
